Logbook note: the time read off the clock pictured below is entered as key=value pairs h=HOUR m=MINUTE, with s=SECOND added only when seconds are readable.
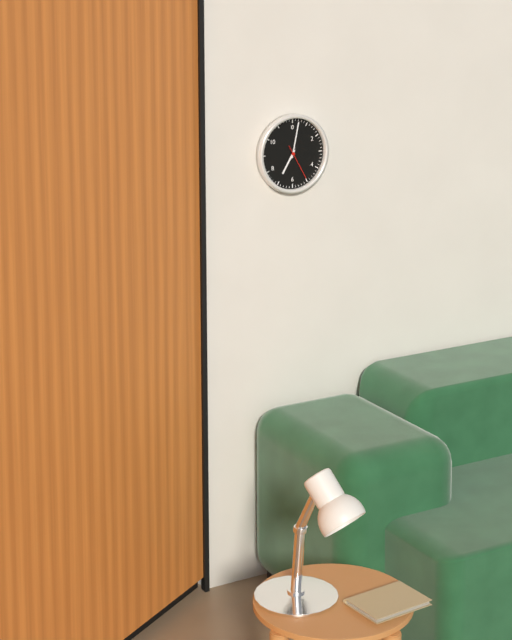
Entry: h=7 m=2
